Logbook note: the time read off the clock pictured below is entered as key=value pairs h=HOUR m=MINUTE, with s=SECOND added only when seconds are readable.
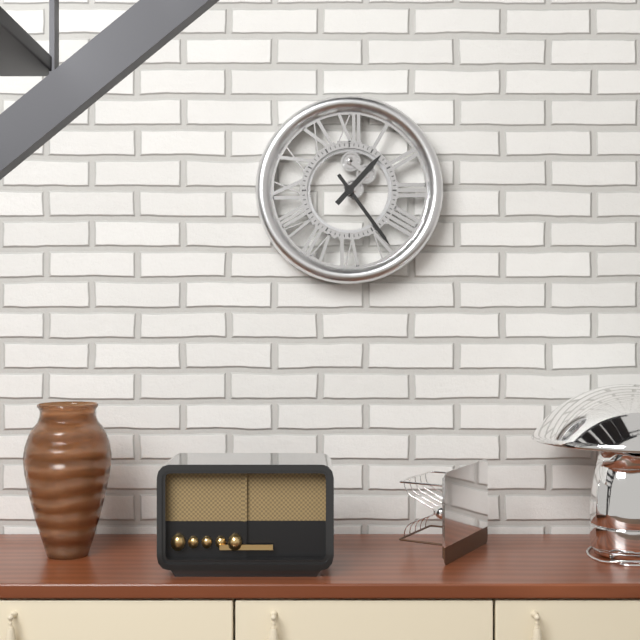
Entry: h=1 m=24
